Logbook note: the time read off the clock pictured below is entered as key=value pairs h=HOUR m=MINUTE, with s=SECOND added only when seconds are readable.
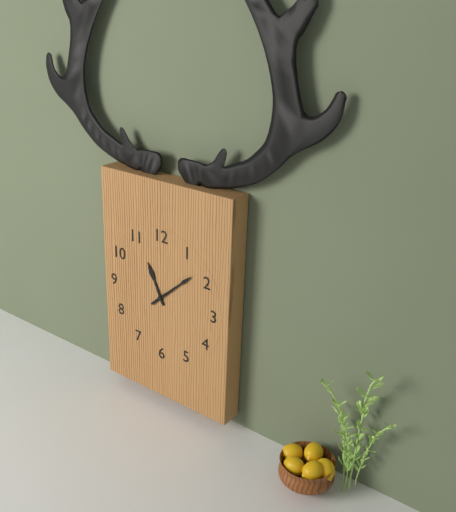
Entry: h=11 m=8
